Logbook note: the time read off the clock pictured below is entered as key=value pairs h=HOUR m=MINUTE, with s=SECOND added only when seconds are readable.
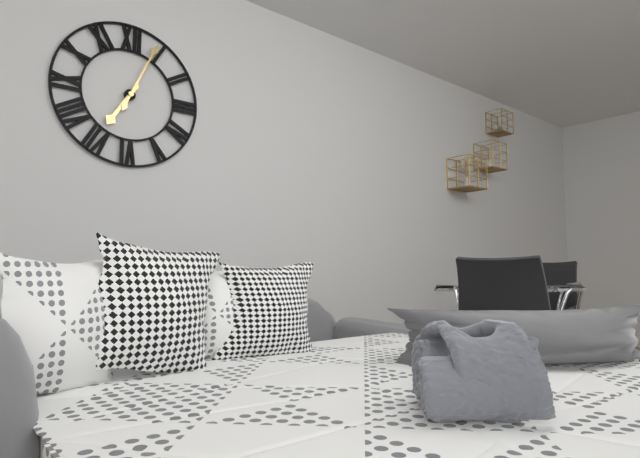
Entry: h=7 m=4
